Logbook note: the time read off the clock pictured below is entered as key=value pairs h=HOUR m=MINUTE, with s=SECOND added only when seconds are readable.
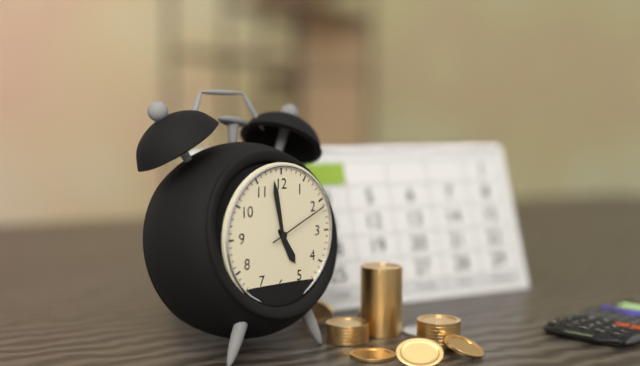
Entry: h=4 m=58 s=11
